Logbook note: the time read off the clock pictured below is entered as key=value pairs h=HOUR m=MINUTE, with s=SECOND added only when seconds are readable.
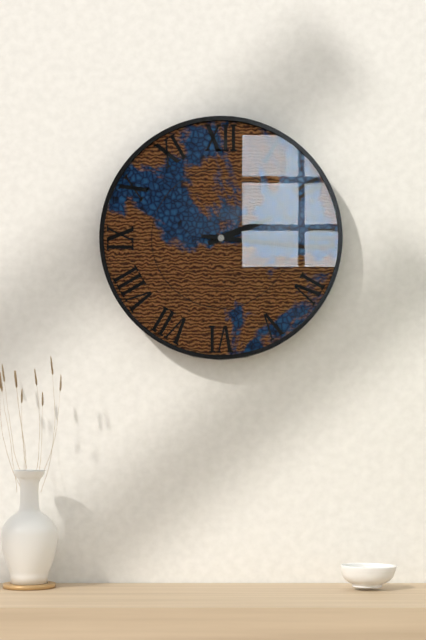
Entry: h=2 m=16
